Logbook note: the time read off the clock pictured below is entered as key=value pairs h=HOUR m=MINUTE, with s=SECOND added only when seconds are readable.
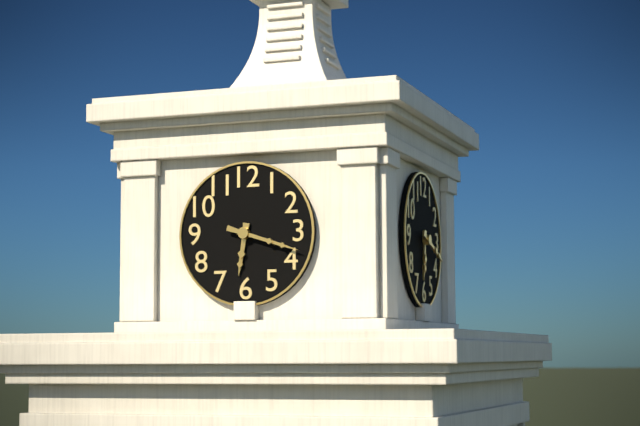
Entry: h=6 m=18
